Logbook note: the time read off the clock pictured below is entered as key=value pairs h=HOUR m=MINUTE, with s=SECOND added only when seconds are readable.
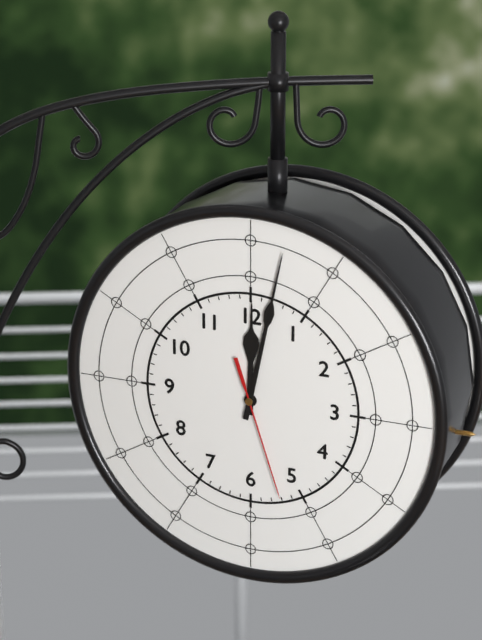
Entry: h=12 m=2 s=27
